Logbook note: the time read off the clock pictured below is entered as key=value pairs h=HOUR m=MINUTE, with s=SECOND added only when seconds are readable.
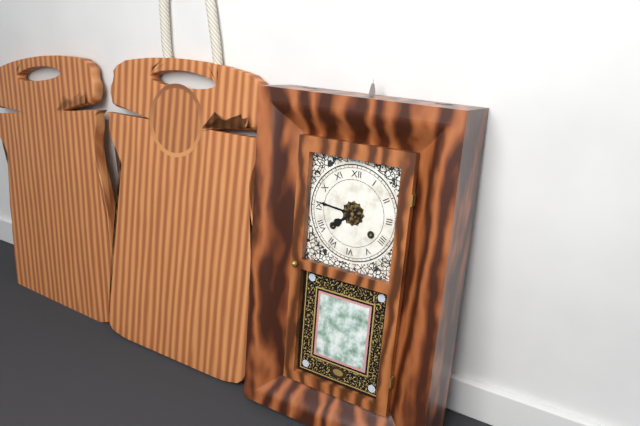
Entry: h=7 m=46
